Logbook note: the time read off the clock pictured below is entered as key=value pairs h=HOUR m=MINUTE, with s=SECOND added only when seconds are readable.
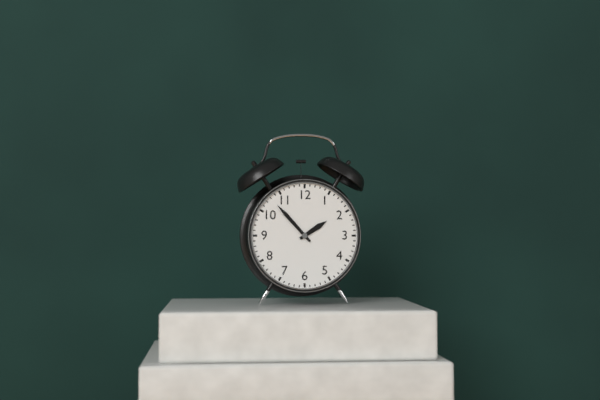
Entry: h=1 m=53
